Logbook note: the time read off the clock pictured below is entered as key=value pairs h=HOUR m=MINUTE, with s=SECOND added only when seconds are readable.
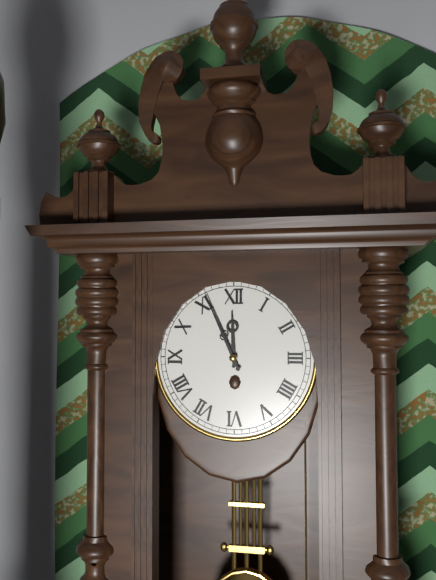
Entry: h=11 m=56
